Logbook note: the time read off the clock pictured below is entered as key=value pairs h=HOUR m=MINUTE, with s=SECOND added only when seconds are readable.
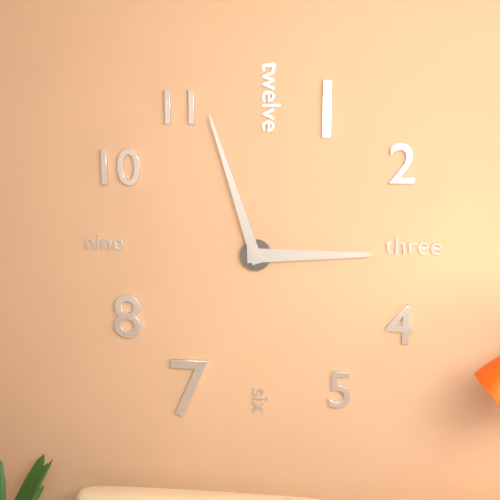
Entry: h=2 m=57
